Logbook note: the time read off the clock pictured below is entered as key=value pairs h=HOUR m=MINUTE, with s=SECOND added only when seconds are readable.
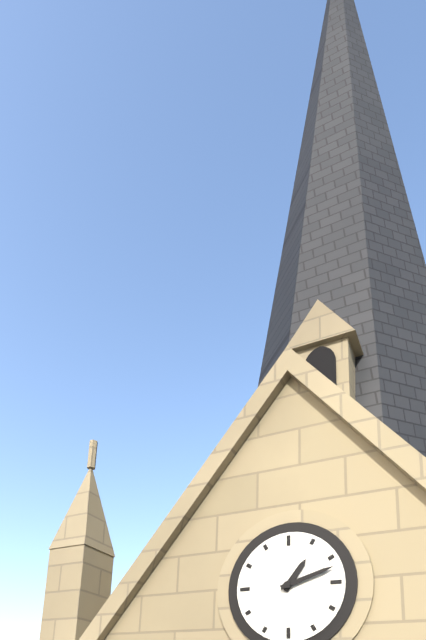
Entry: h=1 m=12
